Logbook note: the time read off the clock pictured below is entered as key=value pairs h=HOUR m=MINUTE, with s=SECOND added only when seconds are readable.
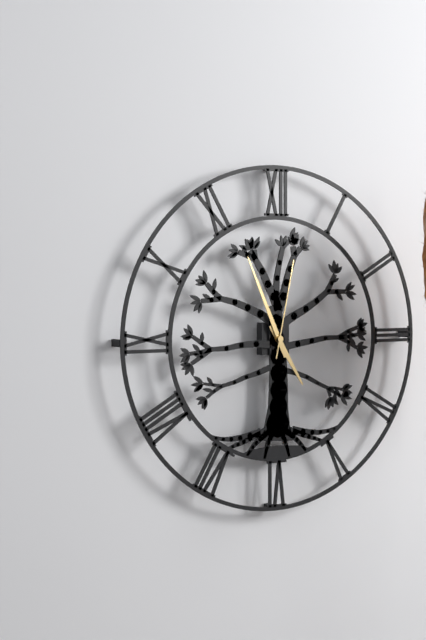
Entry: h=4 m=56 s=2
